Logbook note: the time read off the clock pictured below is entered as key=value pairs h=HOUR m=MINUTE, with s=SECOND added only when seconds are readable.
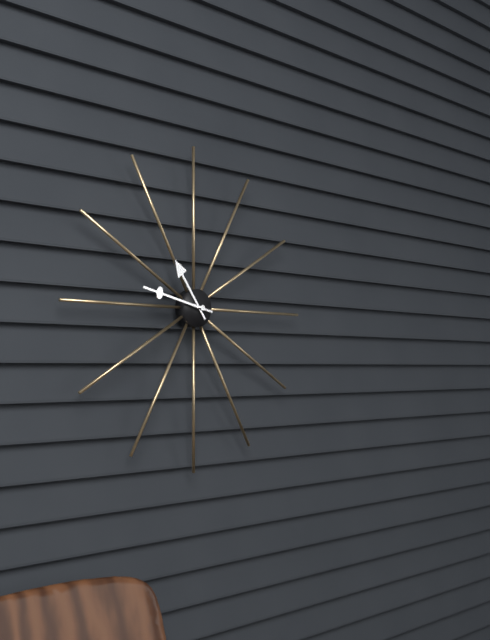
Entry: h=10 m=47
